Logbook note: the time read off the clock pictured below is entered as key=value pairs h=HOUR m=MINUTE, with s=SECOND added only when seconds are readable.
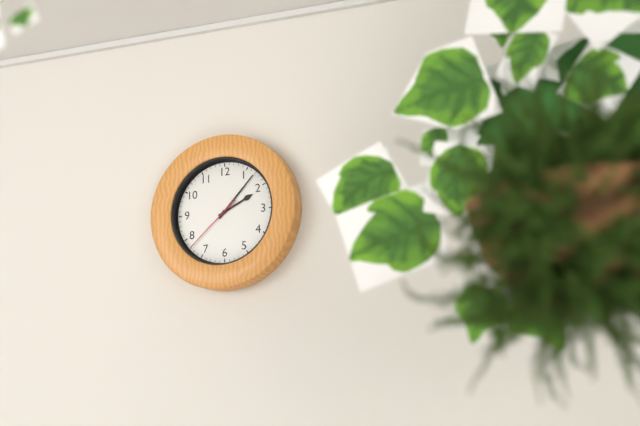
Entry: h=2 m=7 s=38
